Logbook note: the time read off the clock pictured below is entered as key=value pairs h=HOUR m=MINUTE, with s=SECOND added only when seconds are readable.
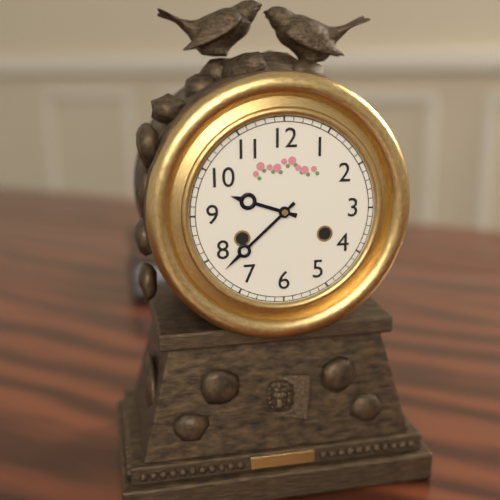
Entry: h=9 m=38
